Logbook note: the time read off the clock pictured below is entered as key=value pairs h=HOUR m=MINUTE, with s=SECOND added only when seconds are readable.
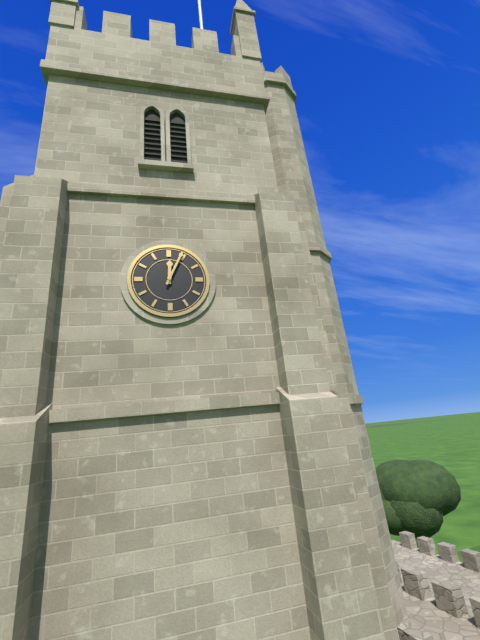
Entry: h=12 m=4
